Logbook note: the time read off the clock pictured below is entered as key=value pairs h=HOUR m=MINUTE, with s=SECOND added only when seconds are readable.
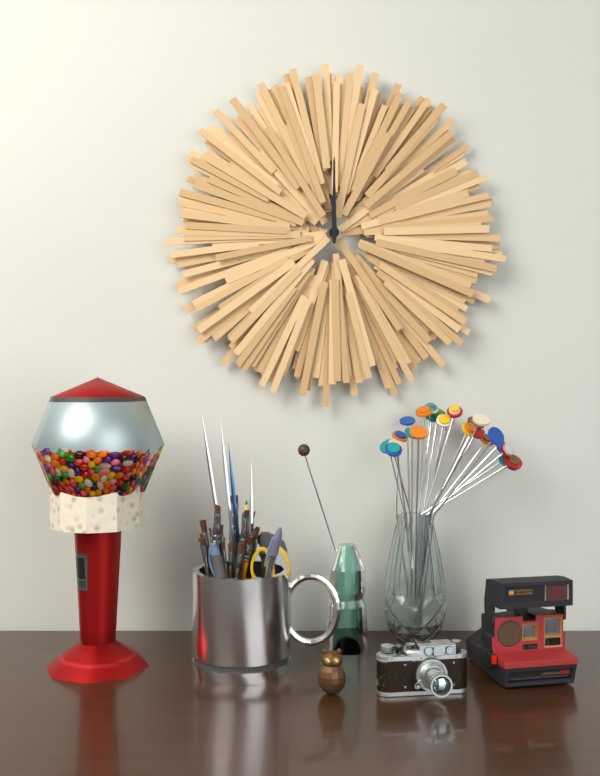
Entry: h=12 m=0
